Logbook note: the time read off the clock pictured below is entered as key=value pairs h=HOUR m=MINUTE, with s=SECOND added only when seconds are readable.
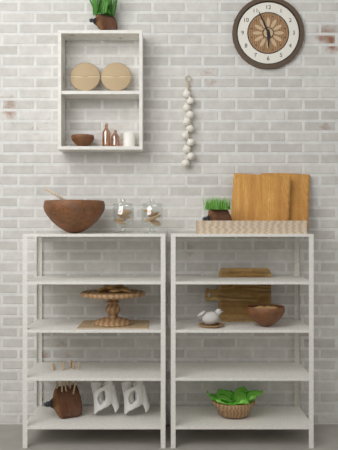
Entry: h=5 m=56
